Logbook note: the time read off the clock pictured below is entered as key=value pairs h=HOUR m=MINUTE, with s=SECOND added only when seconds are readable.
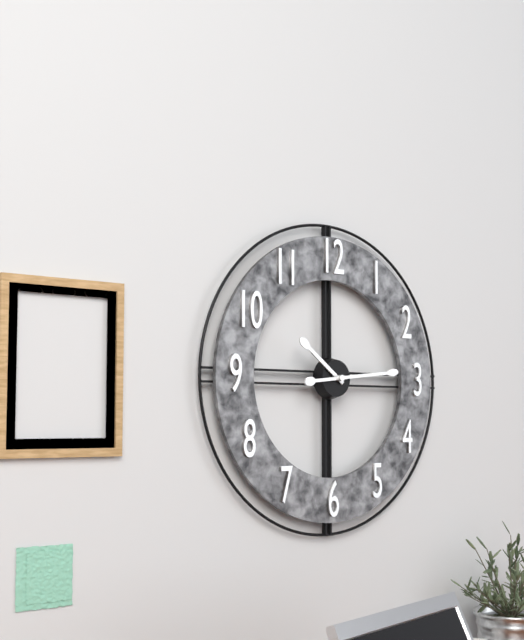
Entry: h=10 m=14
